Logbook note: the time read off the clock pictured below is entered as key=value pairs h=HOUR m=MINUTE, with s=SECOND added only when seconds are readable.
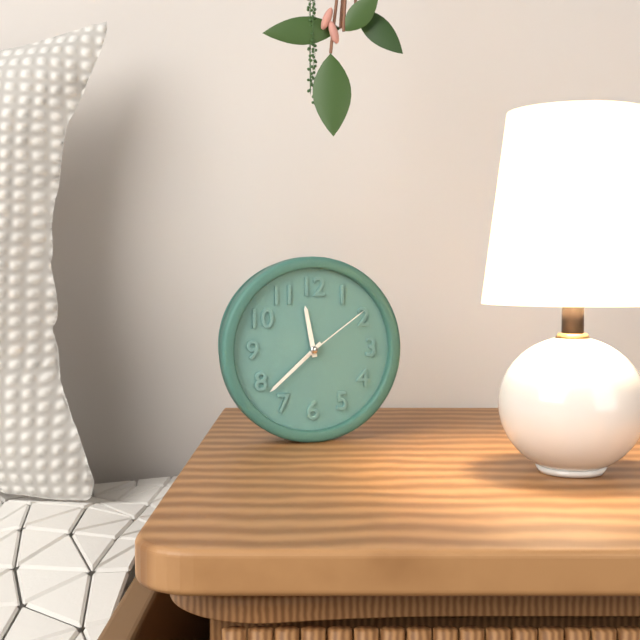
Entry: h=11 m=38 s=9
